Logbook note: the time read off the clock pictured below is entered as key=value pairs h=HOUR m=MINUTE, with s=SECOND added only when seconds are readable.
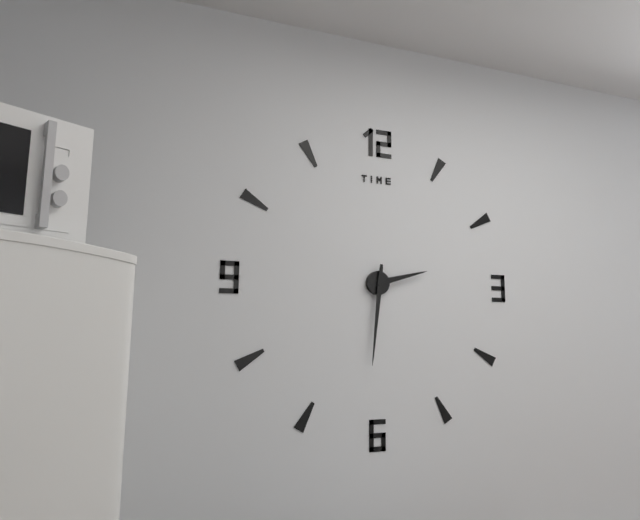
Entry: h=2 m=31
